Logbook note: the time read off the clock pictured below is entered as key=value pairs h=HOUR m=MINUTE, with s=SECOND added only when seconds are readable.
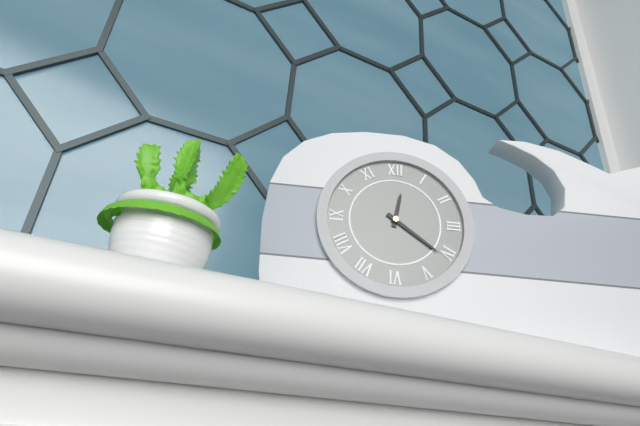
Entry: h=12 m=21
